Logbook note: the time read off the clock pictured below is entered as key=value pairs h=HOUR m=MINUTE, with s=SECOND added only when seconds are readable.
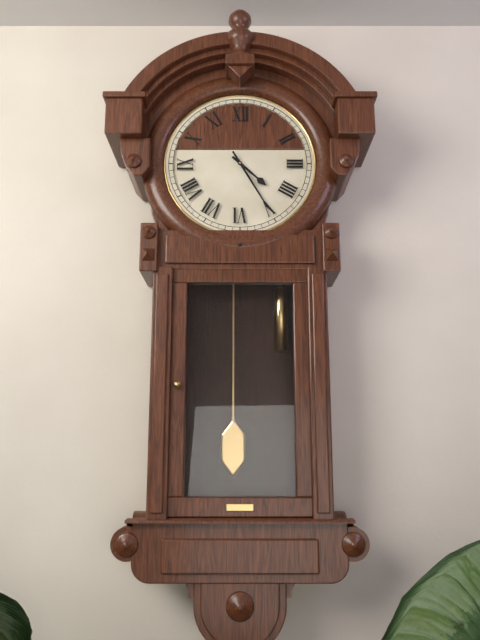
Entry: h=4 m=25
